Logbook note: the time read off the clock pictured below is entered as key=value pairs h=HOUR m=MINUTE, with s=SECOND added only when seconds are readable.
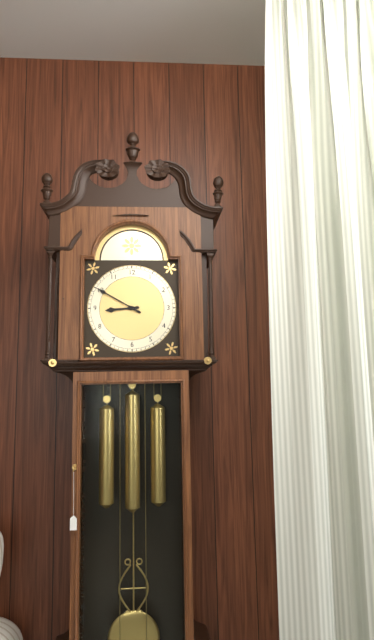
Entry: h=8 m=50
